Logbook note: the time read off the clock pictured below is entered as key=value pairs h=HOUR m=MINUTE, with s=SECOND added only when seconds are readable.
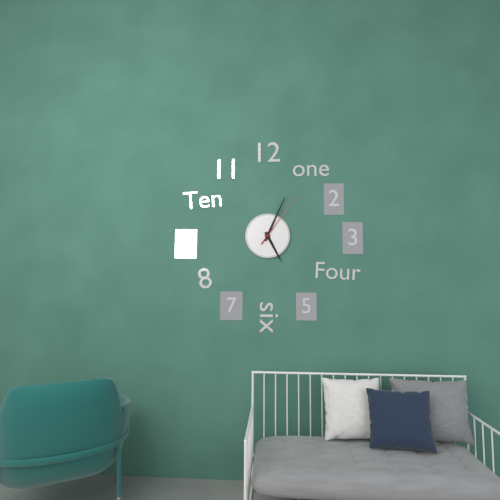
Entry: h=5 m=4 s=6
